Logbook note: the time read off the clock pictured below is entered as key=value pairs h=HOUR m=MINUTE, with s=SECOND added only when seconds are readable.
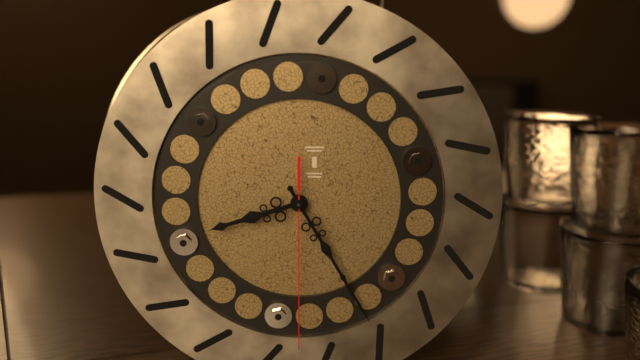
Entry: h=8 m=25 s=30
